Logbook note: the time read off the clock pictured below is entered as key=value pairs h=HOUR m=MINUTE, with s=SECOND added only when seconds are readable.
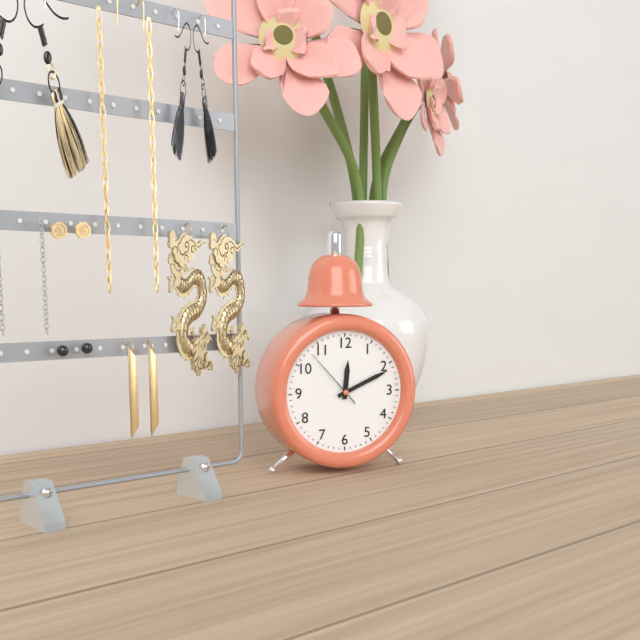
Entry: h=12 m=11 s=53
